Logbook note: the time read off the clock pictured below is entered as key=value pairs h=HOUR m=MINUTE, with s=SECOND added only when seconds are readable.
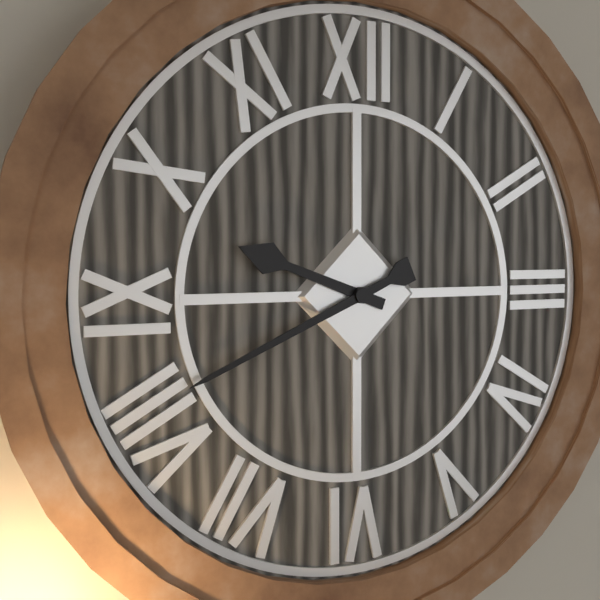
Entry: h=9 m=41
